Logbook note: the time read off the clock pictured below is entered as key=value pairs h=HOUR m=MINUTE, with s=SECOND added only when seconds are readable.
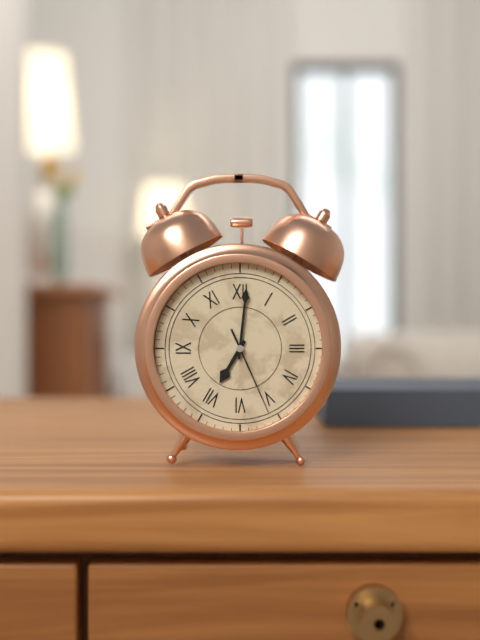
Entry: h=7 m=1 s=26
